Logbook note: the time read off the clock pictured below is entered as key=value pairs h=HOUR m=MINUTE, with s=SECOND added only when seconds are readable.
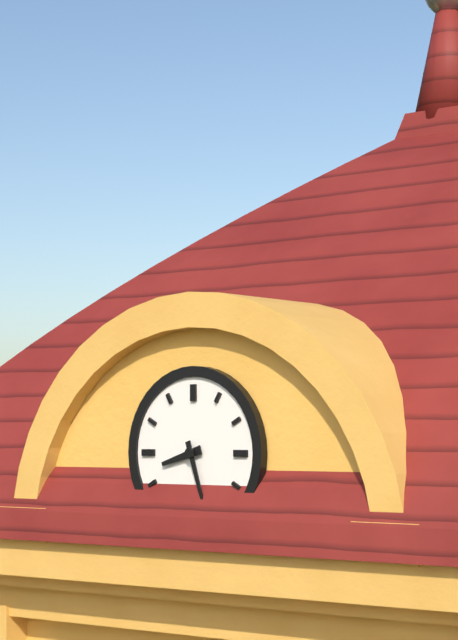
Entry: h=8 m=27
